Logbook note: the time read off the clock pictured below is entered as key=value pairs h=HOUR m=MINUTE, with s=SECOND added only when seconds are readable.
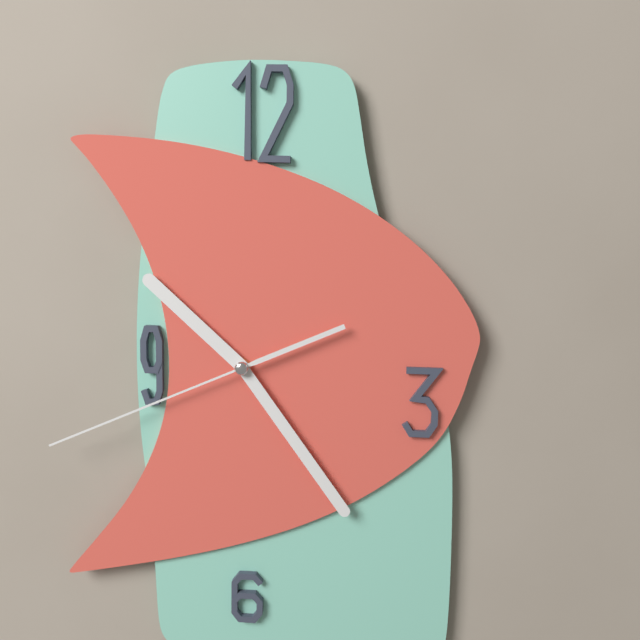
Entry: h=10 m=24 s=41
